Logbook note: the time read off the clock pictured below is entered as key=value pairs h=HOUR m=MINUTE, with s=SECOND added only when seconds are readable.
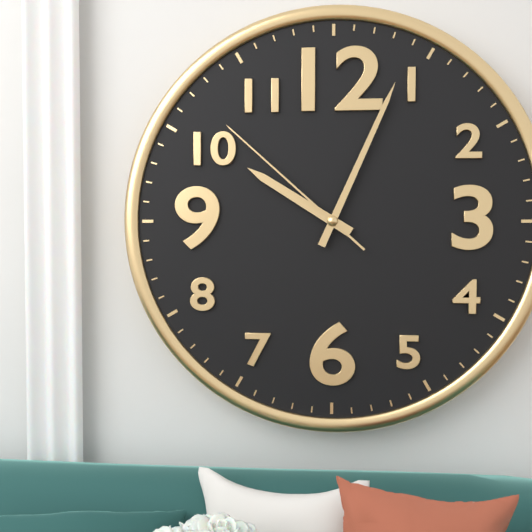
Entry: h=10 m=4 s=52
